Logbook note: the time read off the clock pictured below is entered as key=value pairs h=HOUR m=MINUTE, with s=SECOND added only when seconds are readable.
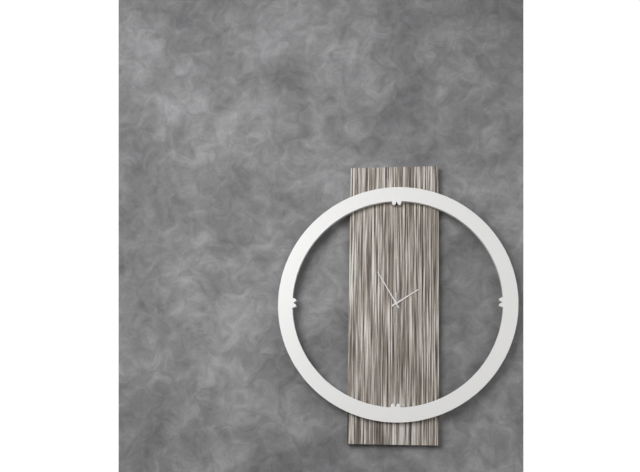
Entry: h=1 m=55
